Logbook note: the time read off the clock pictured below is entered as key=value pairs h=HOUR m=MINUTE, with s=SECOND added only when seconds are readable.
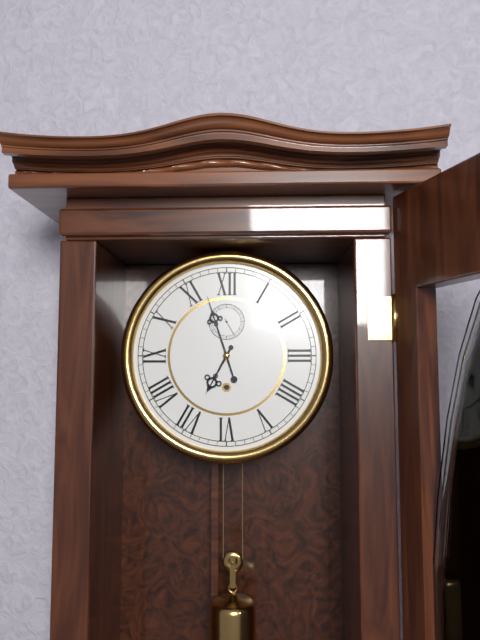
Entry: h=6 m=57
